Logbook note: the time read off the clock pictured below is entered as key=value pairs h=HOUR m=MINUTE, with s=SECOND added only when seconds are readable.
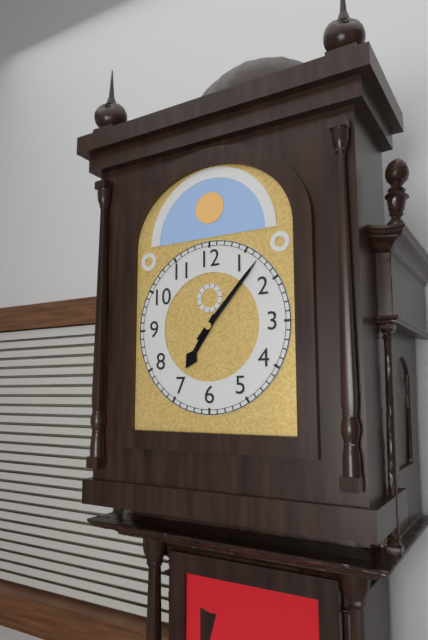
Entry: h=7 m=7
